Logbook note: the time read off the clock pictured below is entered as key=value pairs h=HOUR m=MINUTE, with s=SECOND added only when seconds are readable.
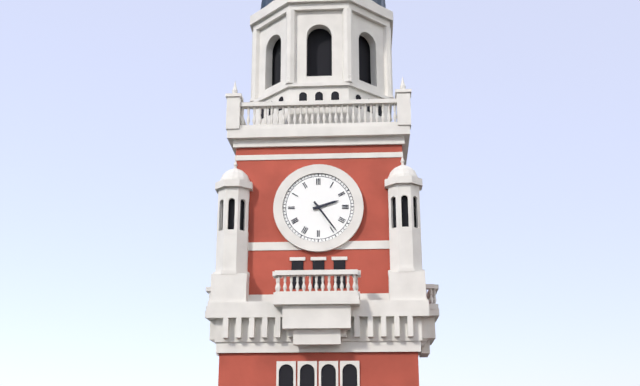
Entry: h=2 m=24
